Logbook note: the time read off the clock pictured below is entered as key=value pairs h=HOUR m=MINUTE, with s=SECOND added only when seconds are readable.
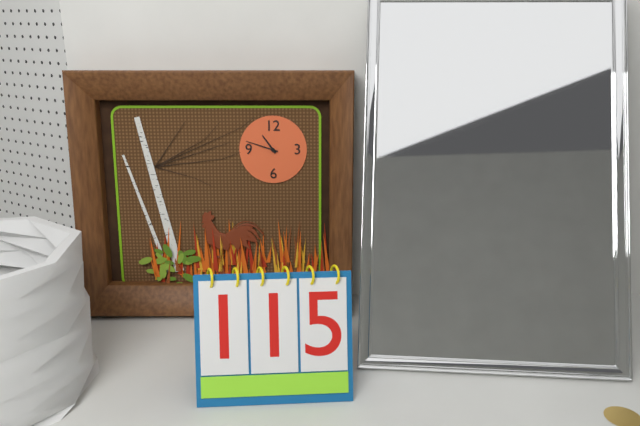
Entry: h=10 m=48
